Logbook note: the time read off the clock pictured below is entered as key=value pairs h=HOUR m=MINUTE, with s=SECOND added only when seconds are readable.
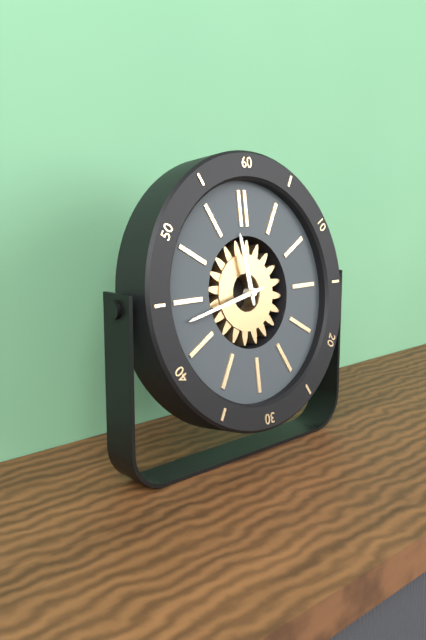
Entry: h=11 m=43
